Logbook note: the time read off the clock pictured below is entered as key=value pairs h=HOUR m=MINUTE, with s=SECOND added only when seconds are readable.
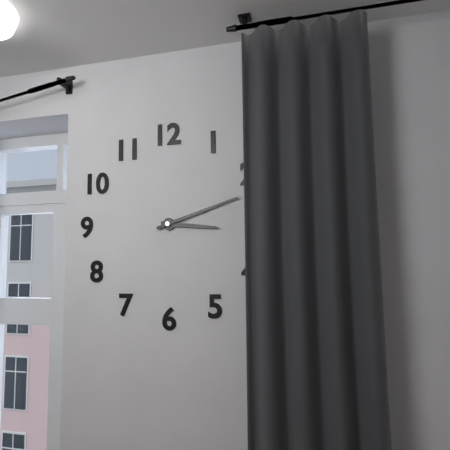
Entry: h=3 m=12
